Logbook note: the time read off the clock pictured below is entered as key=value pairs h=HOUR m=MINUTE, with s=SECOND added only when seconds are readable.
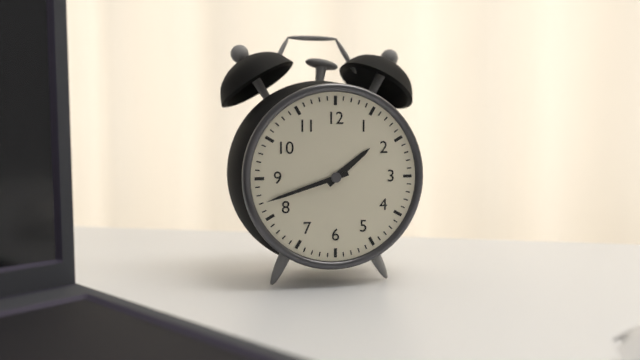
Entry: h=1 m=42
